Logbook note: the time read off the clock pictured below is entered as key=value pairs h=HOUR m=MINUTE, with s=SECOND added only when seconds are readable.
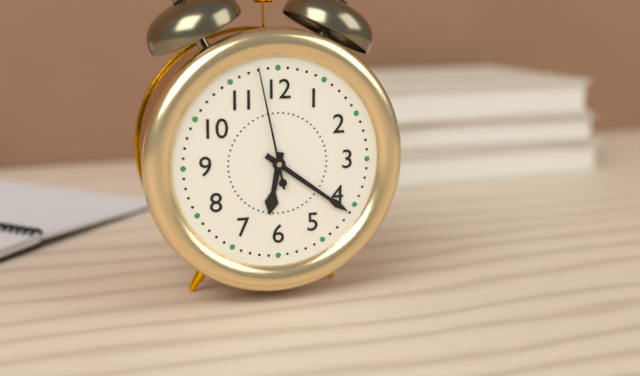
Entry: h=6 m=21 s=58
